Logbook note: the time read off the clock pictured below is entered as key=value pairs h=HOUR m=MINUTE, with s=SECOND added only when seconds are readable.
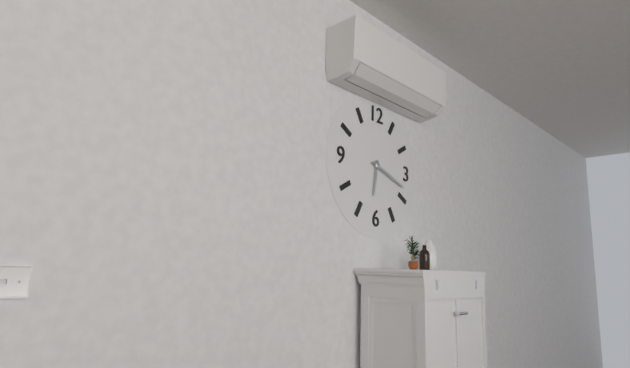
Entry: h=6 m=18
